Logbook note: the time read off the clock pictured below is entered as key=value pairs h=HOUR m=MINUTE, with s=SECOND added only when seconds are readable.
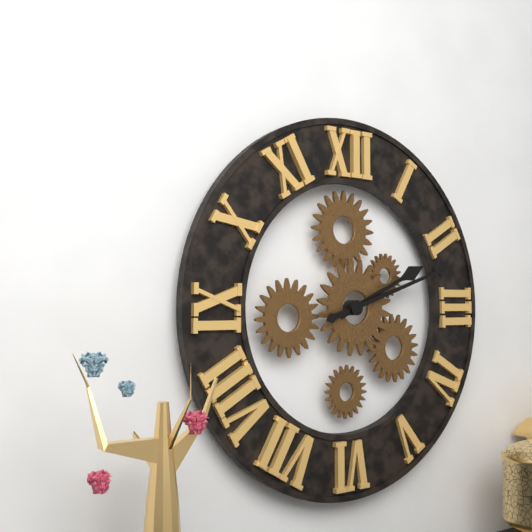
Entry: h=2 m=12
